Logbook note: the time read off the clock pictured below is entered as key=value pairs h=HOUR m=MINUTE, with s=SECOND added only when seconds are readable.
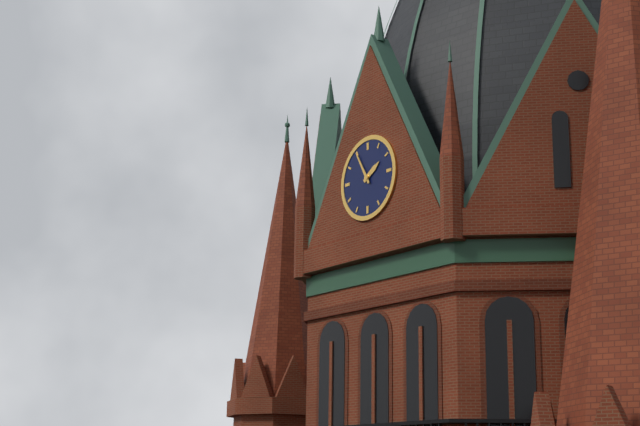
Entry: h=1 m=55
